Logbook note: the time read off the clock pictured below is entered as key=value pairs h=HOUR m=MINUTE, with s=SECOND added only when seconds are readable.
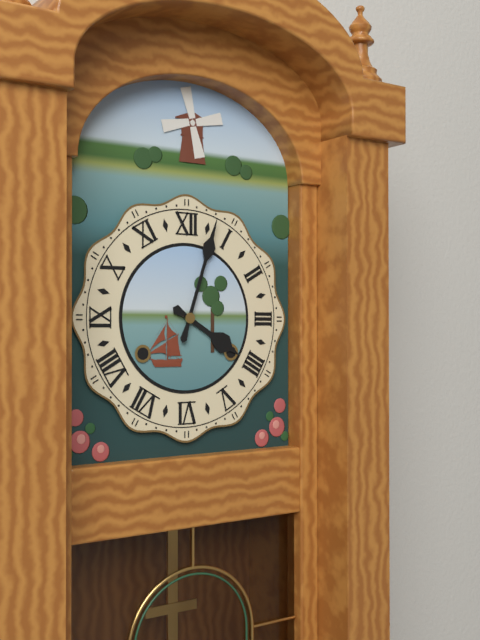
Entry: h=4 m=3
